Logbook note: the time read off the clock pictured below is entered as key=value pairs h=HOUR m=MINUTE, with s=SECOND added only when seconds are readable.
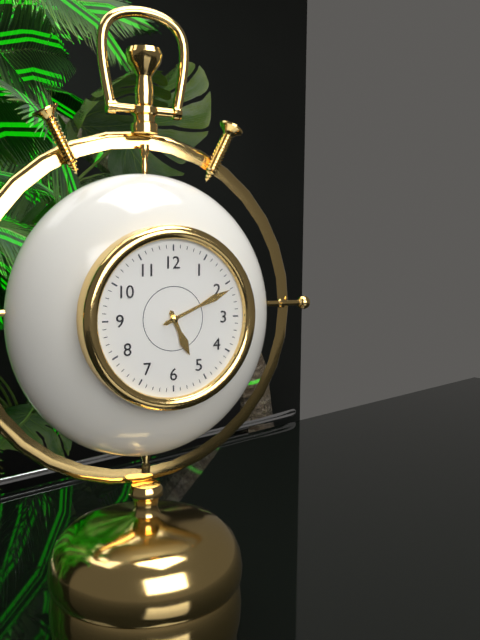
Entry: h=5 m=11
